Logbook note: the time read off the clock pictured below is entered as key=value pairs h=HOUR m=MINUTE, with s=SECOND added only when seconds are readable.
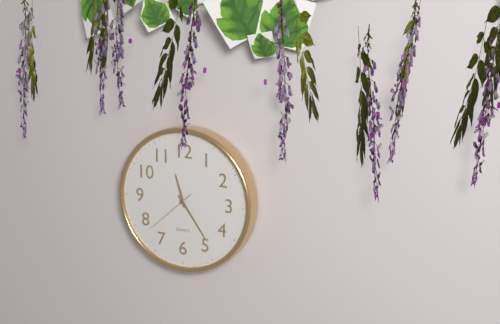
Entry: h=11 m=24 s=38
